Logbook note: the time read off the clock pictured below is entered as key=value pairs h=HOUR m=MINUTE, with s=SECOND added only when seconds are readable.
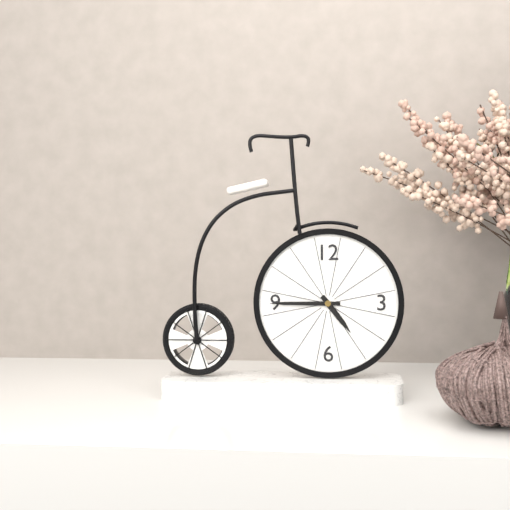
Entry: h=4 m=45
